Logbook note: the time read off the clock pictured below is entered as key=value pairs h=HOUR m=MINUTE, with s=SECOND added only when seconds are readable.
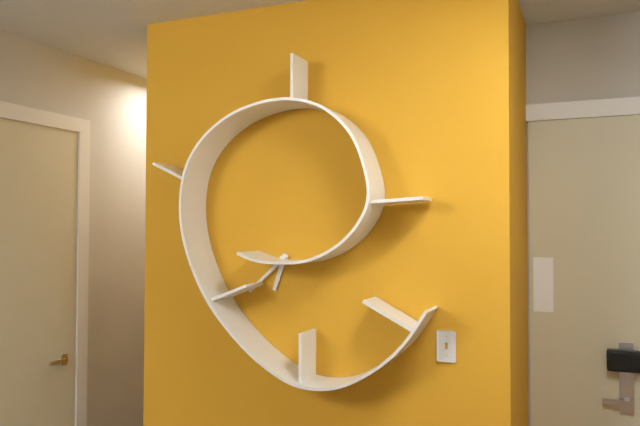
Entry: h=6 m=38
